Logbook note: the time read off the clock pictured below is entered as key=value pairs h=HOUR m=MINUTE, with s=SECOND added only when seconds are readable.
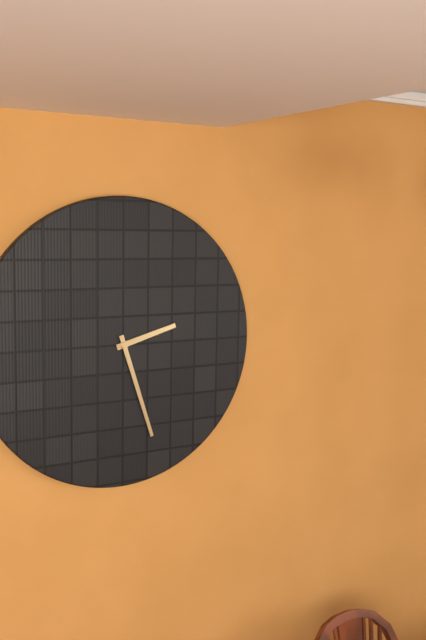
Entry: h=2 m=27
